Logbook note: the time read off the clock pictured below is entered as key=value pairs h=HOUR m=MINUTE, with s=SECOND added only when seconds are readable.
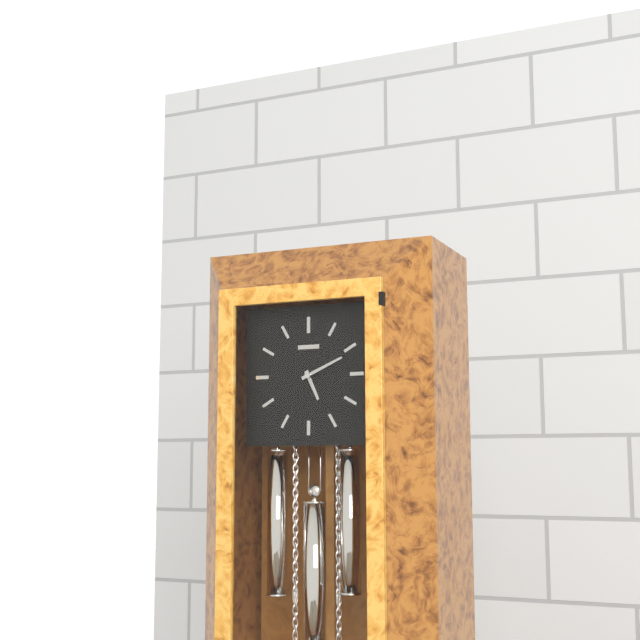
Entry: h=5 m=11
